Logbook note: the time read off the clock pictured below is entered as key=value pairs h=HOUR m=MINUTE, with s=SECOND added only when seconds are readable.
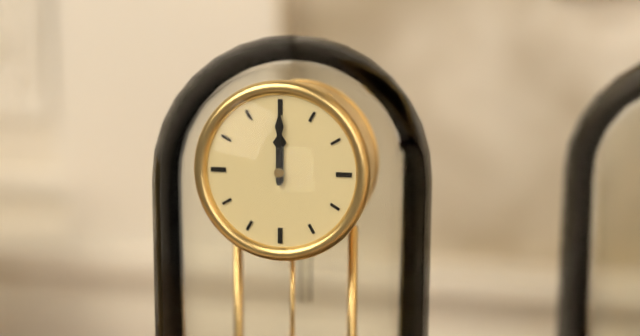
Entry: h=12 m=0
